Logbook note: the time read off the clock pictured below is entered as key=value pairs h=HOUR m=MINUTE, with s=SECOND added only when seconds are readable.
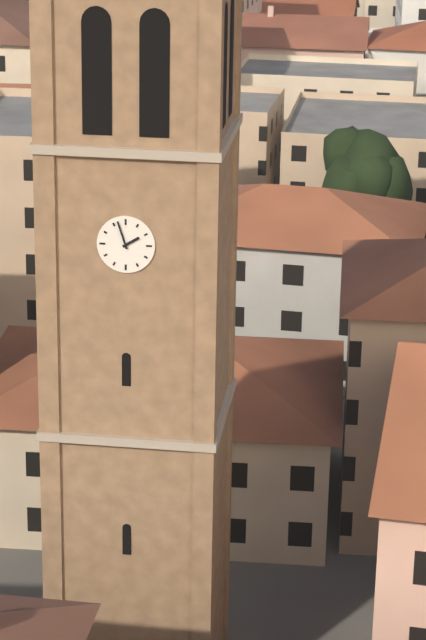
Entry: h=1 m=57
